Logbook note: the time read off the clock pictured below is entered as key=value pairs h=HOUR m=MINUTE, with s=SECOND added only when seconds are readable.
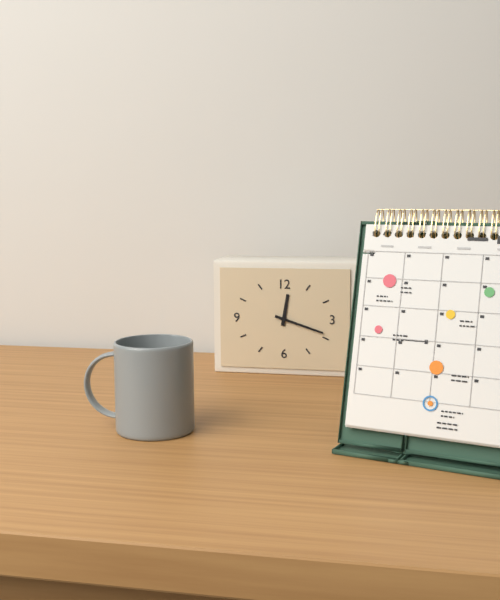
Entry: h=12 m=18
